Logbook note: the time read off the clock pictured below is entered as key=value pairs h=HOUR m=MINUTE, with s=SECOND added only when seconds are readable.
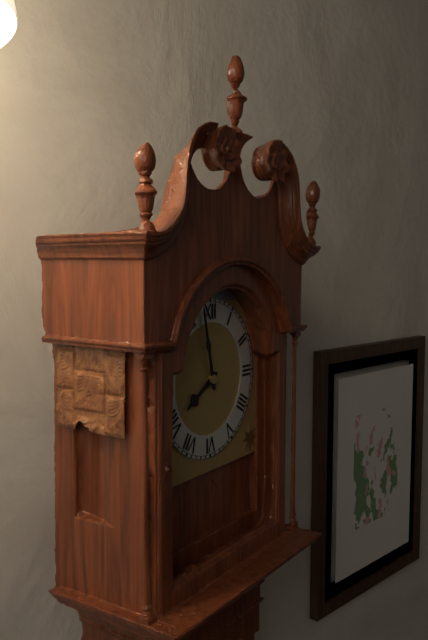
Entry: h=7 m=58
